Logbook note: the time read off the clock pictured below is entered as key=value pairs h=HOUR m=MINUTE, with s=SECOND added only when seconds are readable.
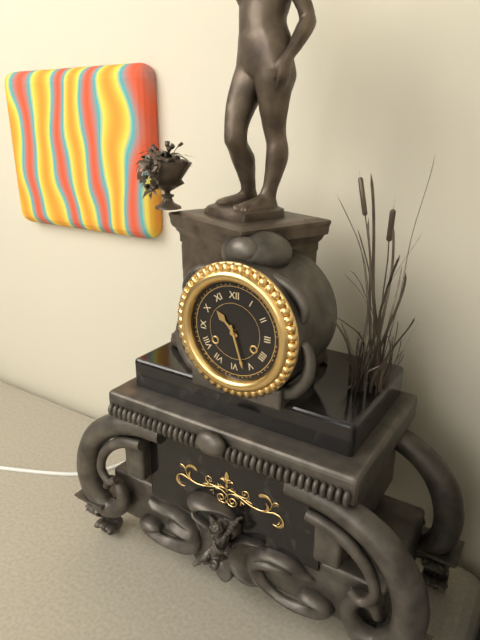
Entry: h=10 m=27
